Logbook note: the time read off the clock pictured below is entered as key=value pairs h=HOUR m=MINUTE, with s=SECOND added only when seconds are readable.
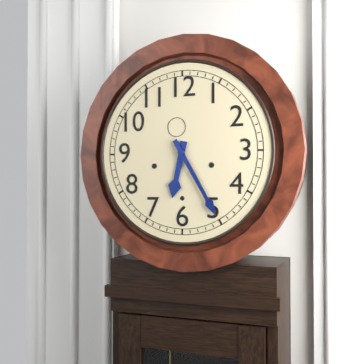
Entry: h=6 m=25
